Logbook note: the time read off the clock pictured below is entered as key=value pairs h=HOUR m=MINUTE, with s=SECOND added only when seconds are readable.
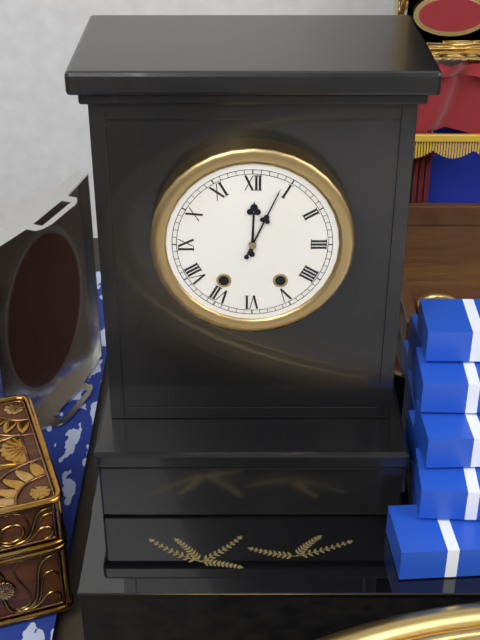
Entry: h=12 m=4
